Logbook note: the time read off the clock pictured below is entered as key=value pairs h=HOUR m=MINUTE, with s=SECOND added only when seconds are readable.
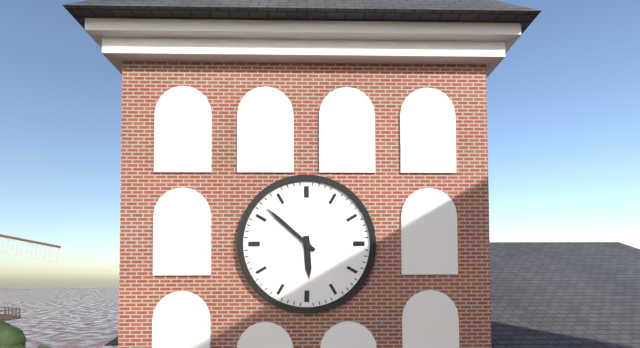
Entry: h=5 m=52
